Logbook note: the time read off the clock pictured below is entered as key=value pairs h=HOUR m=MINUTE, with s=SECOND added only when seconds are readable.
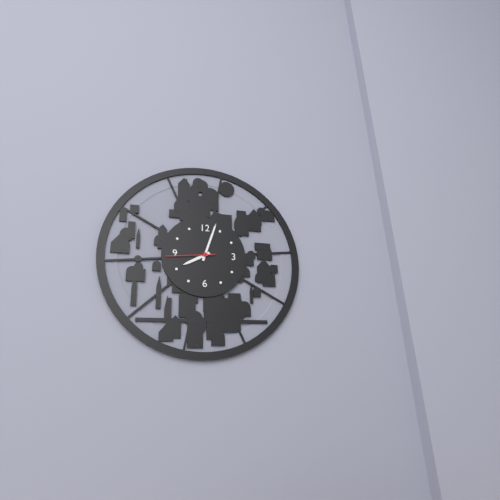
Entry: h=8 m=3
